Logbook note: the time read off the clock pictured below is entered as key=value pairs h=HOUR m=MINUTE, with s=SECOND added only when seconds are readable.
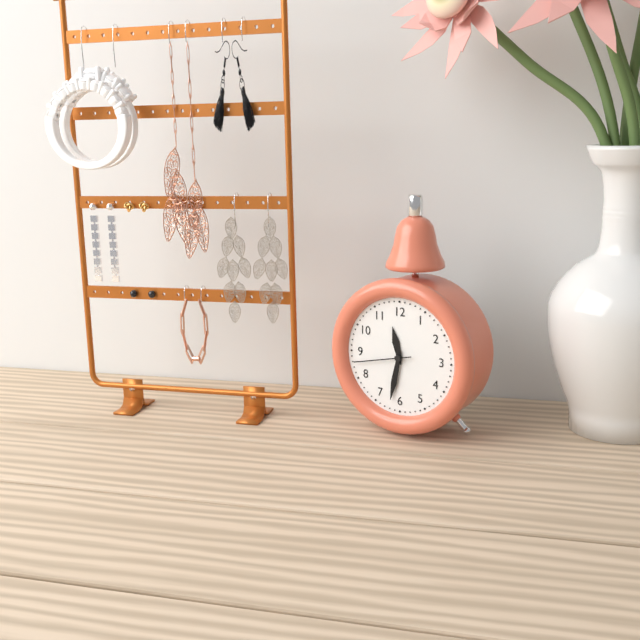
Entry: h=11 m=32 s=43
